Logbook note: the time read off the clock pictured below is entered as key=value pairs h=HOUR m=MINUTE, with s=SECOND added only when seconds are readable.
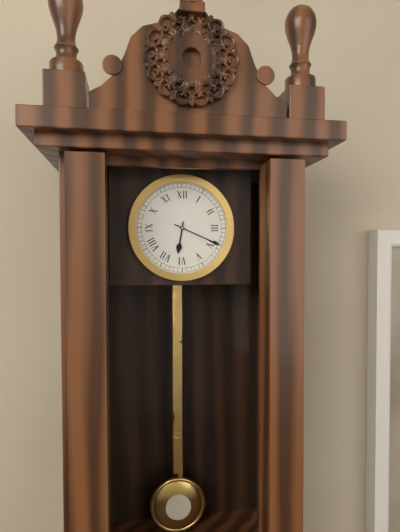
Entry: h=6 m=19
